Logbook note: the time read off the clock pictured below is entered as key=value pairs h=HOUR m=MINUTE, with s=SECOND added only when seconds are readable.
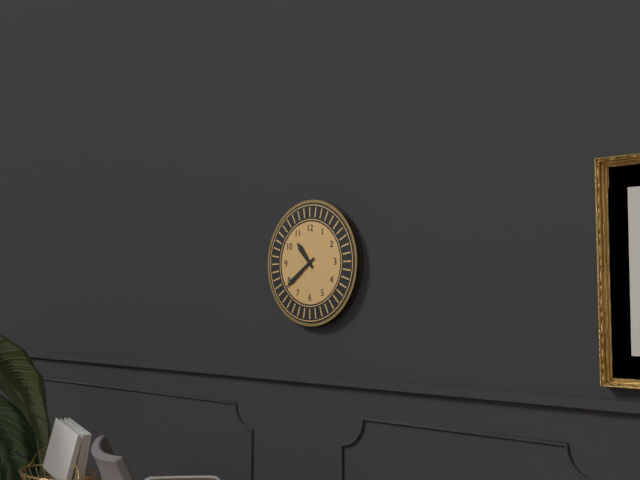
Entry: h=10 m=39
